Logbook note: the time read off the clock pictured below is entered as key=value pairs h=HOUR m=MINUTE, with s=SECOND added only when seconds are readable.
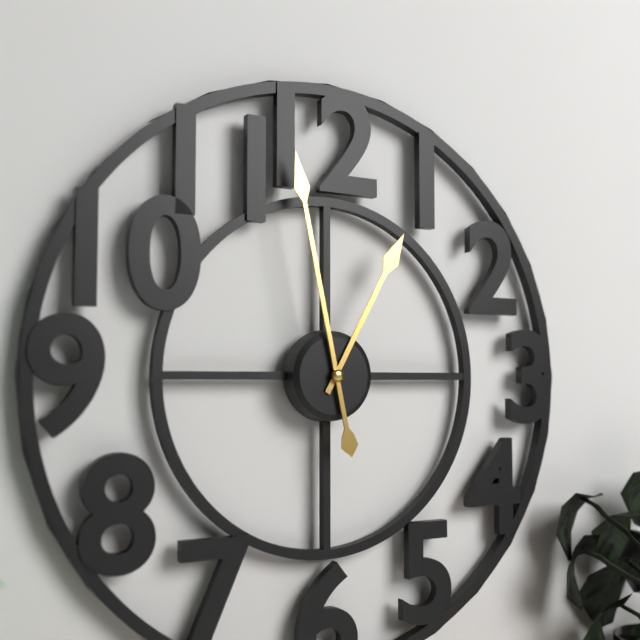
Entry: h=12 m=58
